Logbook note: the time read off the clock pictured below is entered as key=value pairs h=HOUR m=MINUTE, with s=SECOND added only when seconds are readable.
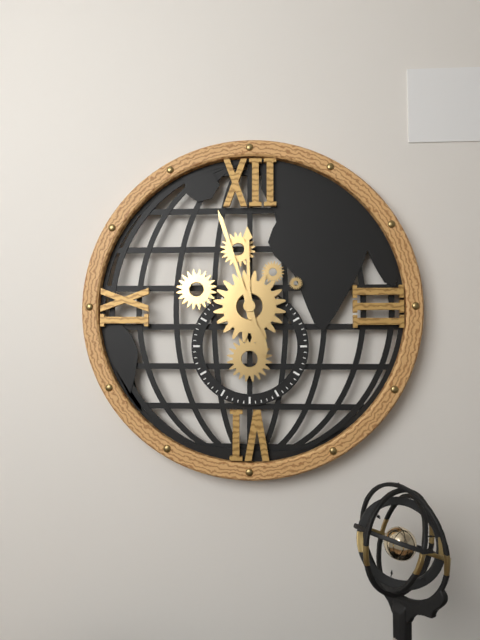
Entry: h=11 m=57
